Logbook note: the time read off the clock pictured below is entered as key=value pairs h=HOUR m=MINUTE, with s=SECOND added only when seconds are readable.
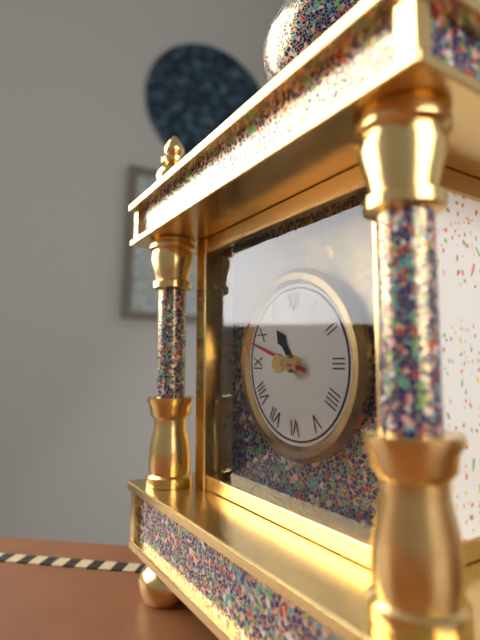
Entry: h=10 m=48
